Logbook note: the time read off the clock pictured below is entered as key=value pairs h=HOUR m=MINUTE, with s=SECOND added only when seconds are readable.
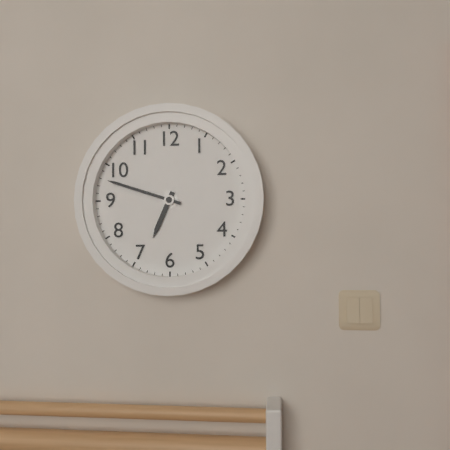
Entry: h=6 m=48
